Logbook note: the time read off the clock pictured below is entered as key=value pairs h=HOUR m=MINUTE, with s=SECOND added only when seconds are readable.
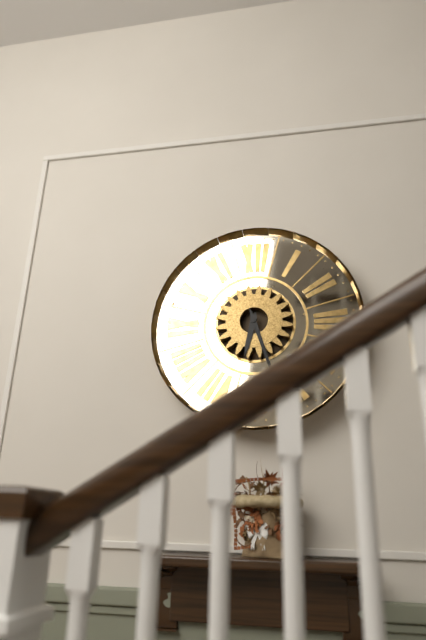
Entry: h=6 m=27
